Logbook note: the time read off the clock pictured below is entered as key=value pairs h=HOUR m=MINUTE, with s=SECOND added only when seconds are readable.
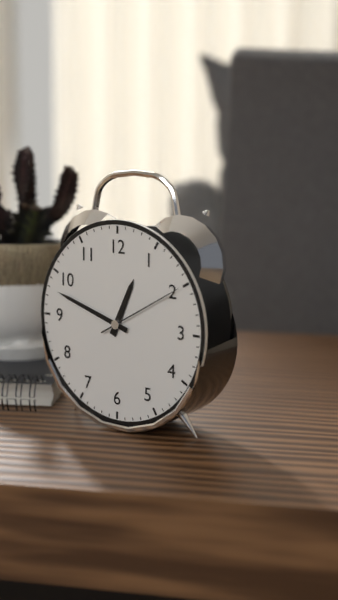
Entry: h=12 m=48 s=10
